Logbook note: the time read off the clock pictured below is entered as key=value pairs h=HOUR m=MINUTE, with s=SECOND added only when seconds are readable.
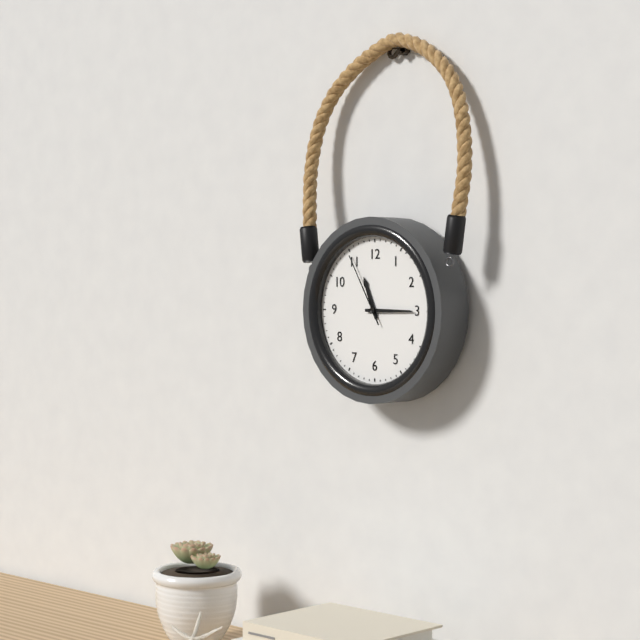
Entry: h=11 m=15 s=55
